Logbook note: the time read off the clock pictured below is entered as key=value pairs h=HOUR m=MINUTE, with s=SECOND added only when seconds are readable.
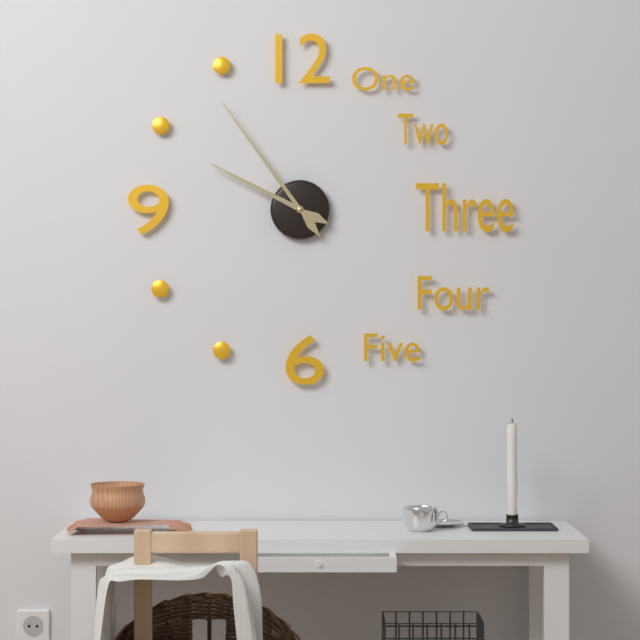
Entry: h=9 m=54
